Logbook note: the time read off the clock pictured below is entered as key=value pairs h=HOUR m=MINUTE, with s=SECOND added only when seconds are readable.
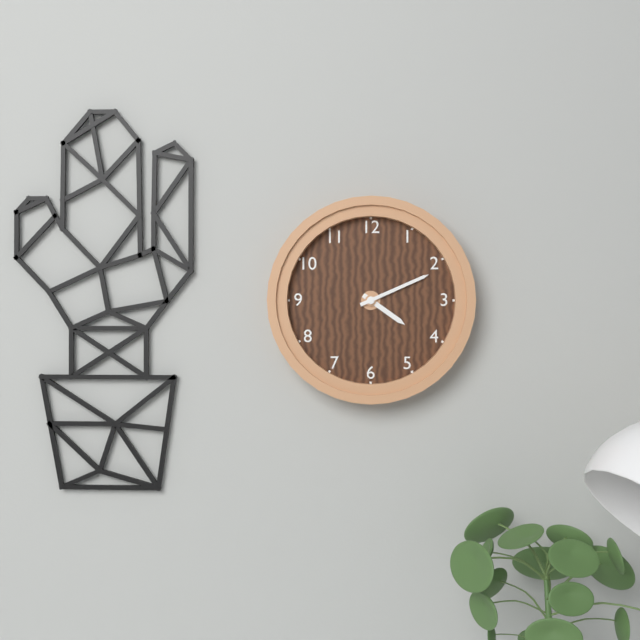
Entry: h=4 m=11
